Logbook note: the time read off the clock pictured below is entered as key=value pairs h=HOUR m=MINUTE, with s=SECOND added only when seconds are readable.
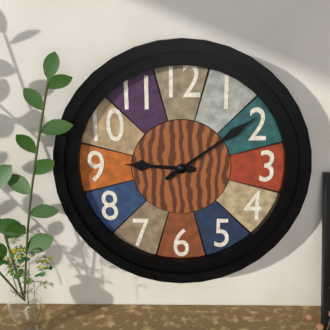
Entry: h=9 m=9
